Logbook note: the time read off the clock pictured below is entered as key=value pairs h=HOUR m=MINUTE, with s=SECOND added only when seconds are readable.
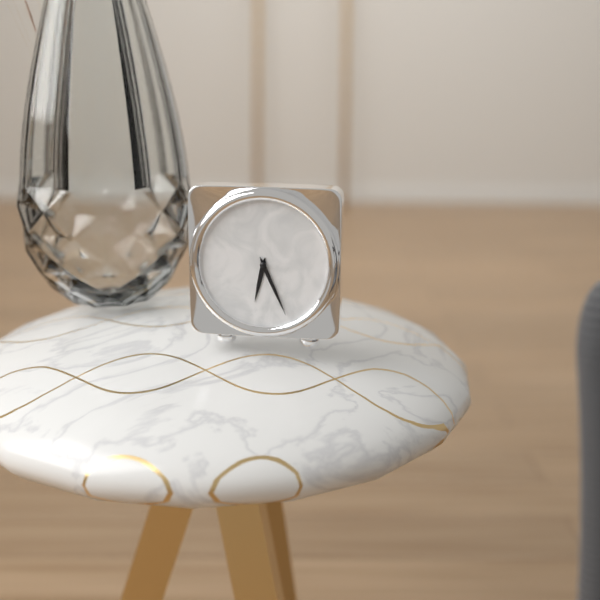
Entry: h=6 m=26
